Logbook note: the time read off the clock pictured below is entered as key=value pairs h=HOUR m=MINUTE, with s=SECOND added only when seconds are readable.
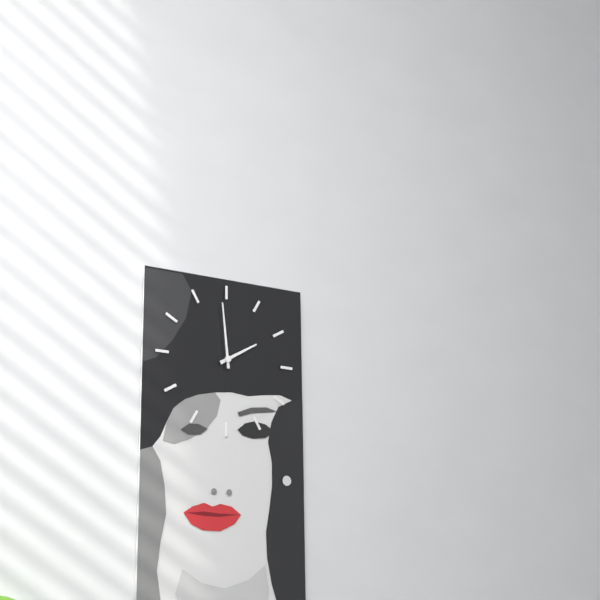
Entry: h=1 m=59
